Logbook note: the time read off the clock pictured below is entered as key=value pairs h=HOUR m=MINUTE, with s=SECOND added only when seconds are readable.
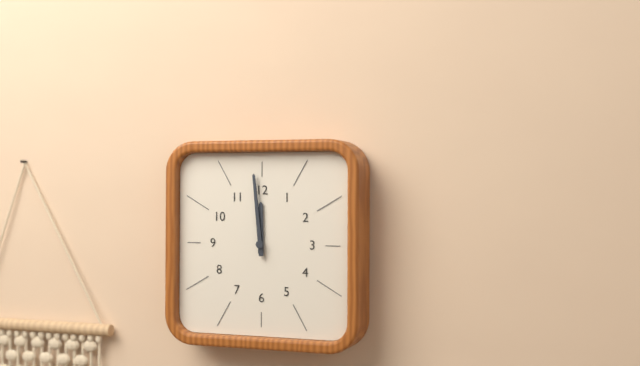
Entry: h=11 m=59
